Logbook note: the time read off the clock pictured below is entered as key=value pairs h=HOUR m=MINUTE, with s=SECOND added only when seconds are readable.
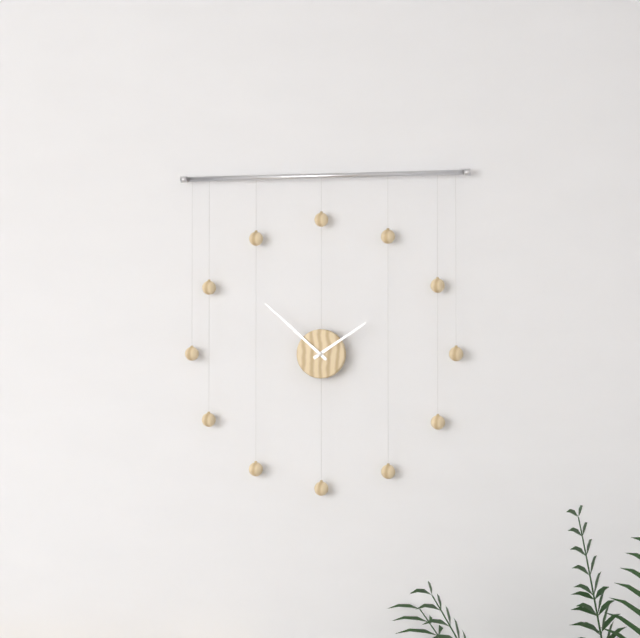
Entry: h=1 m=52
